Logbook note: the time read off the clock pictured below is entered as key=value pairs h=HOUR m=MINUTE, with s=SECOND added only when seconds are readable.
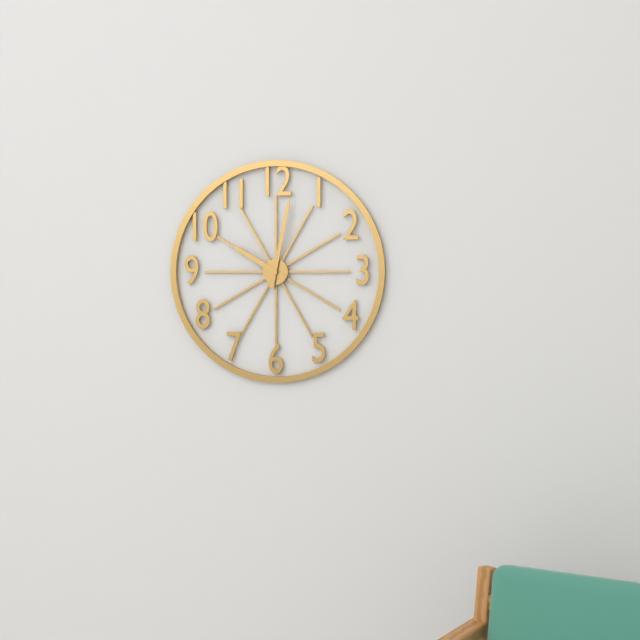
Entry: h=10 m=2
